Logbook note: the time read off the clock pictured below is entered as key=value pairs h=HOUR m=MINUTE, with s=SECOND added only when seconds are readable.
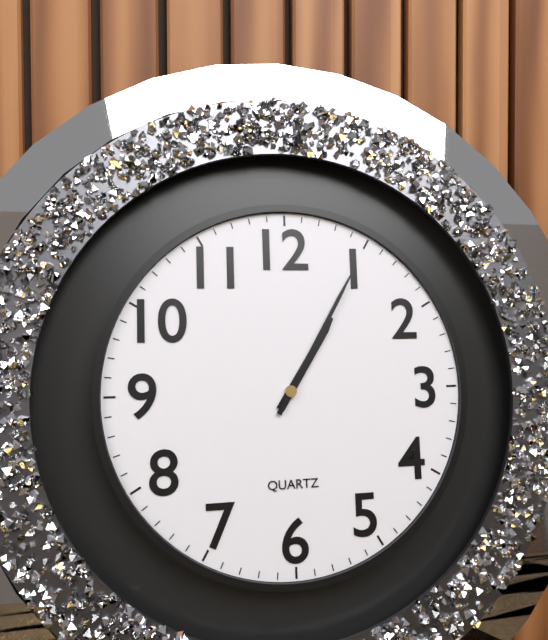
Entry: h=1 m=5
